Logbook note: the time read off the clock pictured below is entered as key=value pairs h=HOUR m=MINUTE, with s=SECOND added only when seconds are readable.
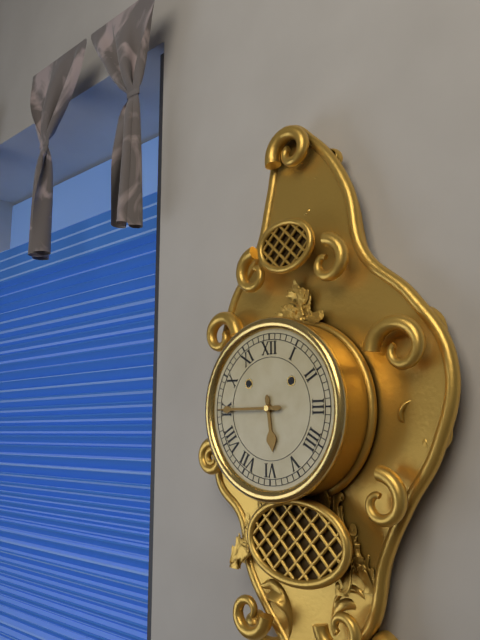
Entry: h=5 m=45
